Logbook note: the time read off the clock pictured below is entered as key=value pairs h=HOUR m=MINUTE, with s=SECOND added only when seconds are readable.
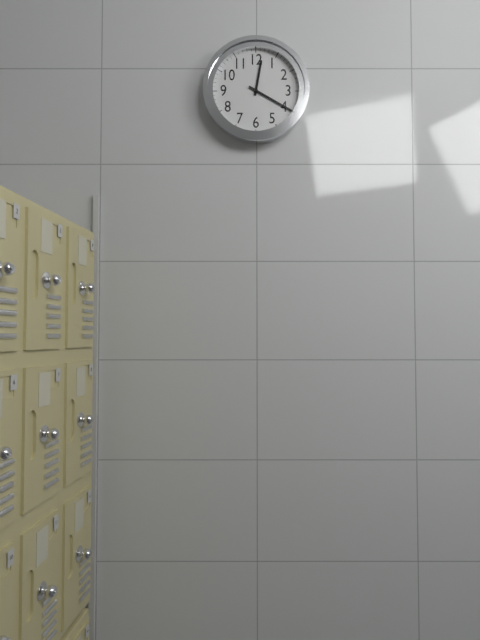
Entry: h=12 m=20
